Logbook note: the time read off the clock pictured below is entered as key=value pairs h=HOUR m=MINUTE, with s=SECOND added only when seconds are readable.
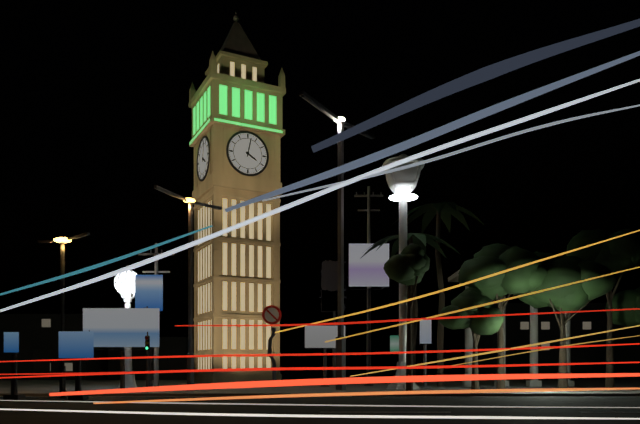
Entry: h=4 m=2
